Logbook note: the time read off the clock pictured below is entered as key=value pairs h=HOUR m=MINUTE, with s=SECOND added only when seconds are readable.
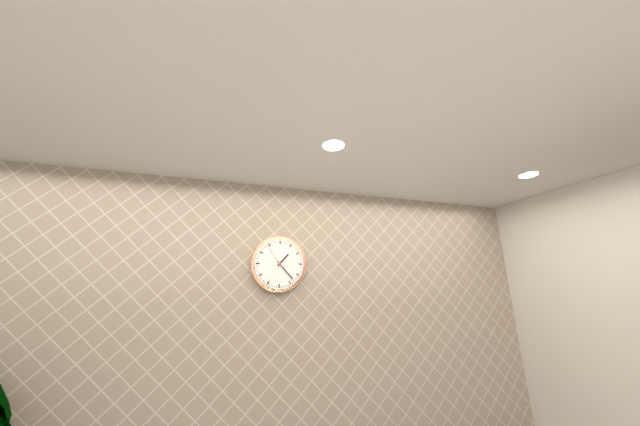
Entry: h=1 m=23
